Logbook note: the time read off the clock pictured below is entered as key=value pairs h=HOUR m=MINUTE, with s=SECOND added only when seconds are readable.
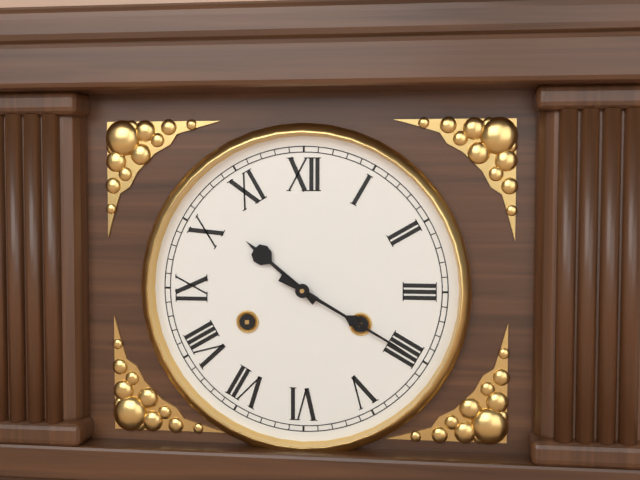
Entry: h=10 m=20
